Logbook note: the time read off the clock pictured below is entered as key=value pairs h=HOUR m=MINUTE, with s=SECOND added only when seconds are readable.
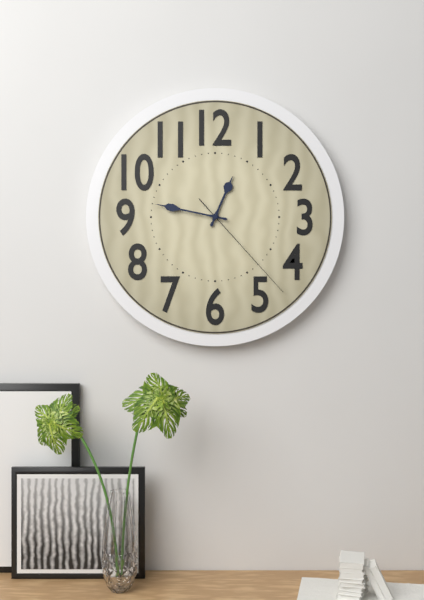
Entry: h=12 m=47 s=23
